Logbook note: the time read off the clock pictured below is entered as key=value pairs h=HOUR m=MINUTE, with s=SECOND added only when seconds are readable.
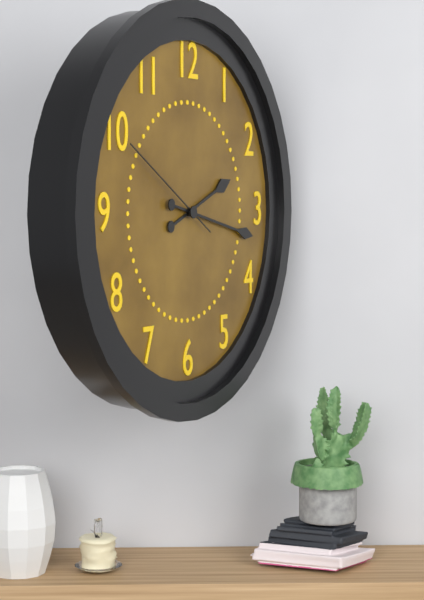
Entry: h=2 m=17 s=50
